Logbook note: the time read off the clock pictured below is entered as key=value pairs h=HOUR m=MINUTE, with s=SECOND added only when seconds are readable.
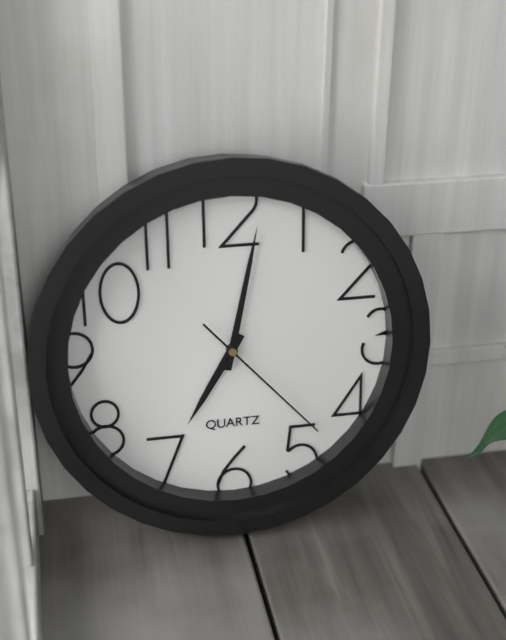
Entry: h=7 m=2 s=23
